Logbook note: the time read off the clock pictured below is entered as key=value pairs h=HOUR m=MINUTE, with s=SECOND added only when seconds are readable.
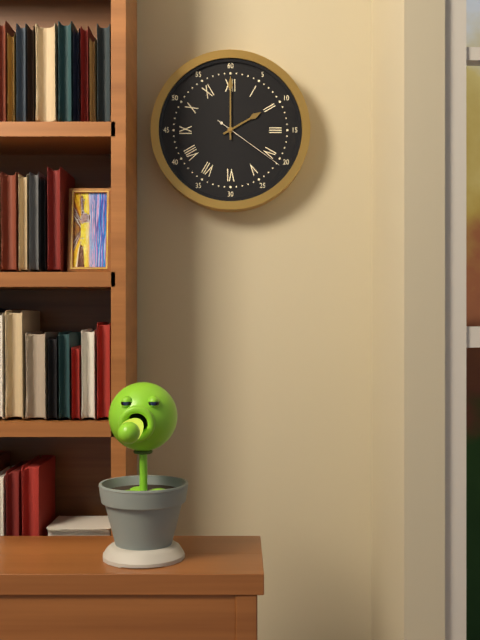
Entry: h=2 m=0 s=21
